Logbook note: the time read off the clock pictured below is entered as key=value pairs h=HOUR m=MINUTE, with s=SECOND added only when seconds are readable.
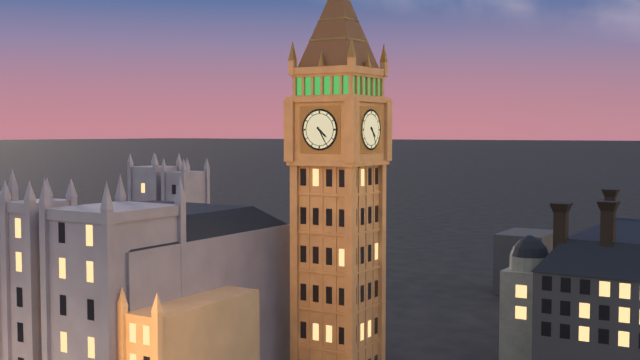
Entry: h=4 m=25
